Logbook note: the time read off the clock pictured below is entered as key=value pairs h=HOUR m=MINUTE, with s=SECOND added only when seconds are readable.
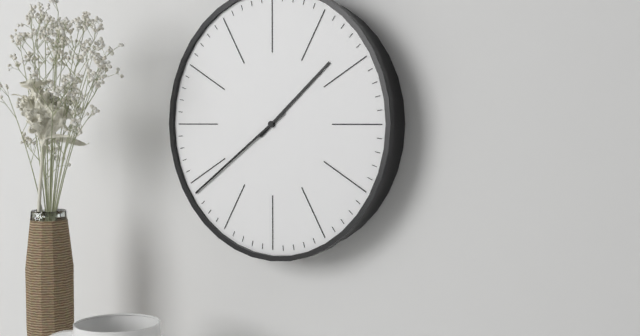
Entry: h=1 m=39
